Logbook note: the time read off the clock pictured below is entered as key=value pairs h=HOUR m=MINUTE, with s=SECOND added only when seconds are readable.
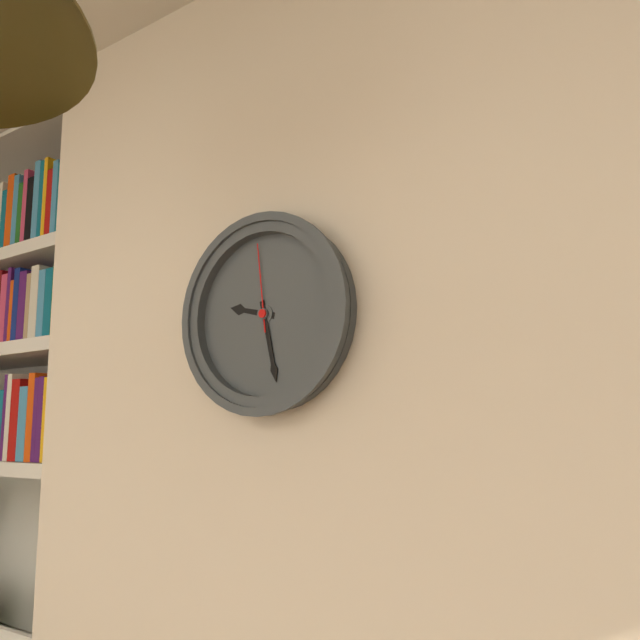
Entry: h=9 m=28 s=59
